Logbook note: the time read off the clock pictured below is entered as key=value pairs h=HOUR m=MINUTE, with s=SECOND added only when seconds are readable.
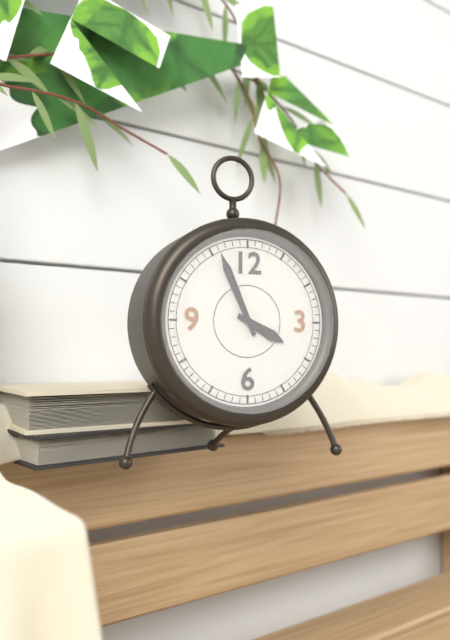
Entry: h=3 m=56
